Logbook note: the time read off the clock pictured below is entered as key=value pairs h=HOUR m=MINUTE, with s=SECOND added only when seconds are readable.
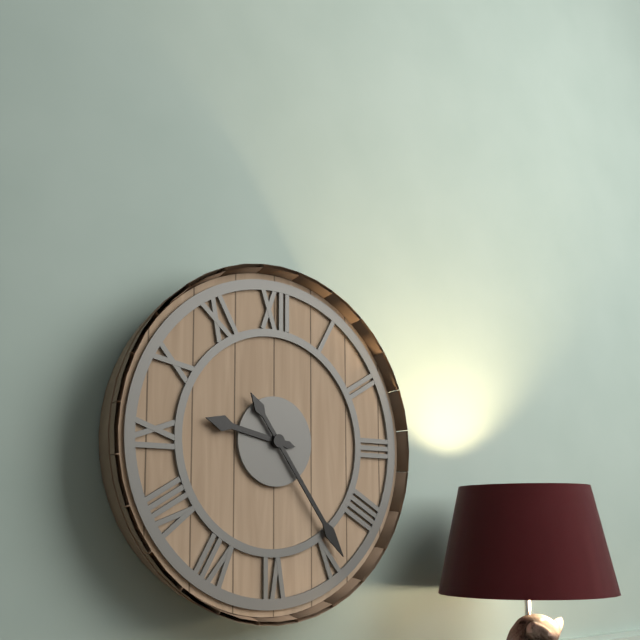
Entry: h=9 m=24
